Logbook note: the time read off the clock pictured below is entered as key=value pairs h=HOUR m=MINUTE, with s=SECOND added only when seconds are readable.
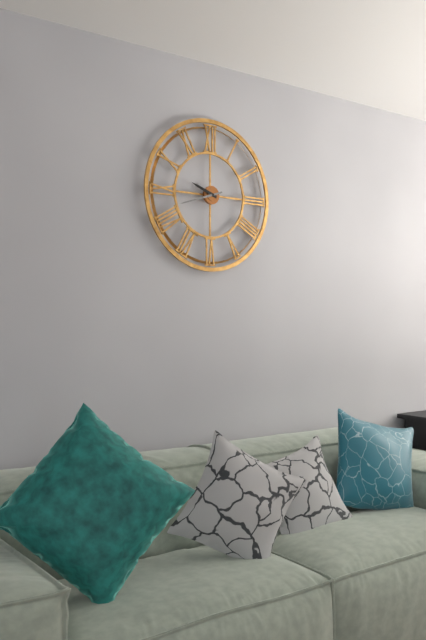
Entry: h=9 m=42
